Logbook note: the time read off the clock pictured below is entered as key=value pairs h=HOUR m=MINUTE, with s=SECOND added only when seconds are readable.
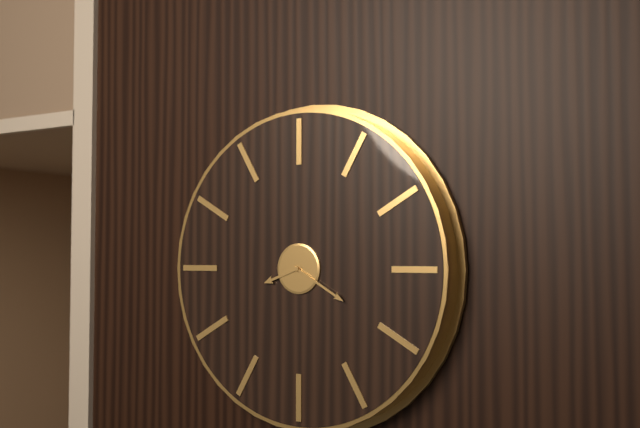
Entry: h=8 m=20
